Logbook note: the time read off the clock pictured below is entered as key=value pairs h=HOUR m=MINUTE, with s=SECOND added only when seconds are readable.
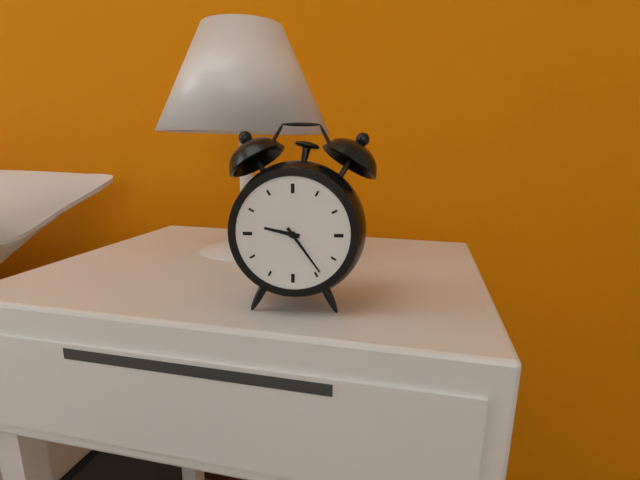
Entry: h=9 m=24
